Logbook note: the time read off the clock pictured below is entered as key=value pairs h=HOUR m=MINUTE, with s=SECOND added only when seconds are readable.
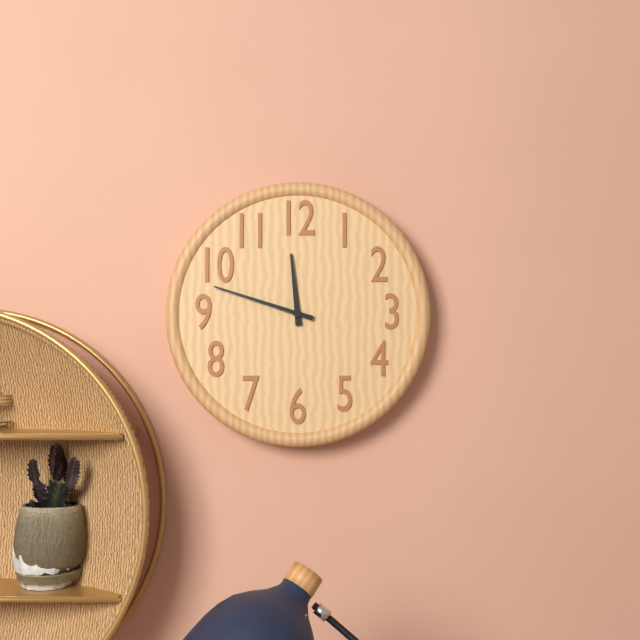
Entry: h=11 m=48
